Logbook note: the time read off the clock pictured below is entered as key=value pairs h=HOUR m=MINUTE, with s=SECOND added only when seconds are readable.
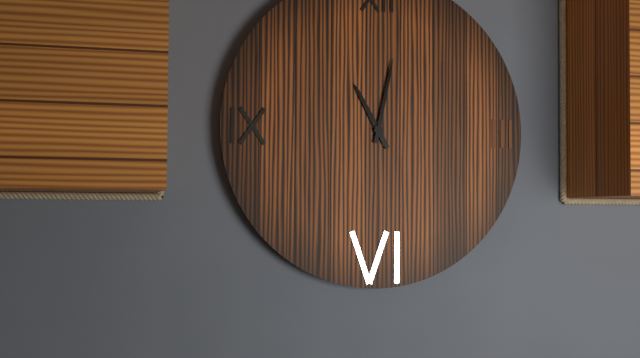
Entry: h=11 m=2
